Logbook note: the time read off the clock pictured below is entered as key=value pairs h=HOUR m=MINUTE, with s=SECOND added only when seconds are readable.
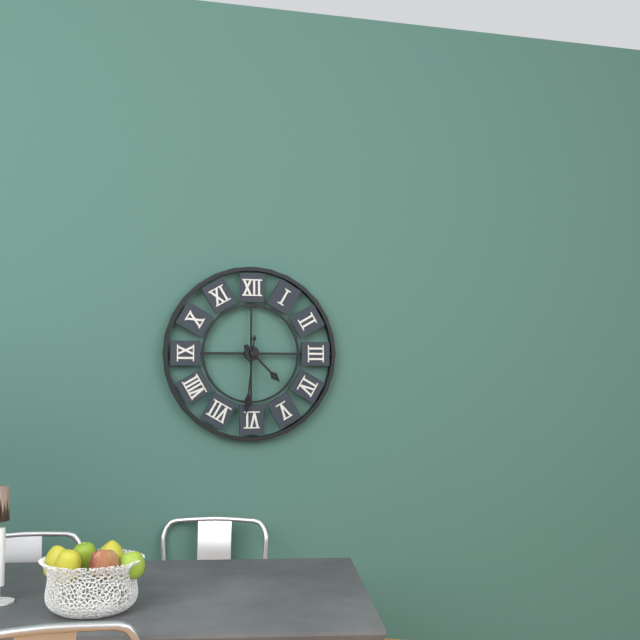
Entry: h=4 m=31
